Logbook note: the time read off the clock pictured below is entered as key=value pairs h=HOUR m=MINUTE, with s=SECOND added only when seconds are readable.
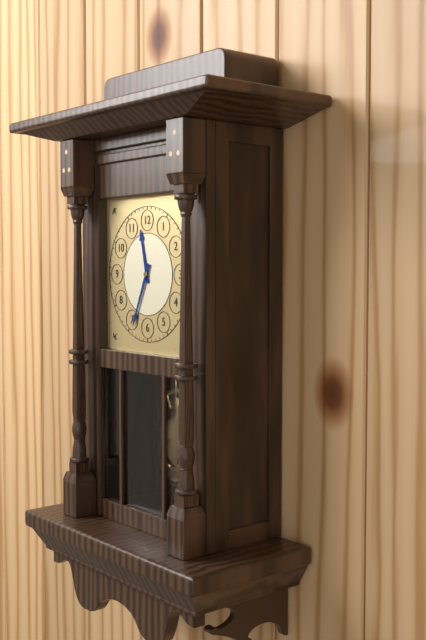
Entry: h=11 m=34
